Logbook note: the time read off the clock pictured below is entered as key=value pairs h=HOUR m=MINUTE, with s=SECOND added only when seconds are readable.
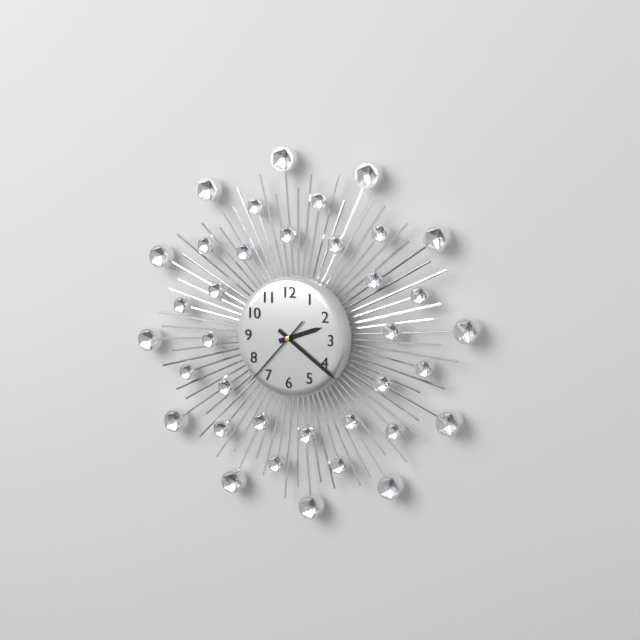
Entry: h=2 m=21 s=37
